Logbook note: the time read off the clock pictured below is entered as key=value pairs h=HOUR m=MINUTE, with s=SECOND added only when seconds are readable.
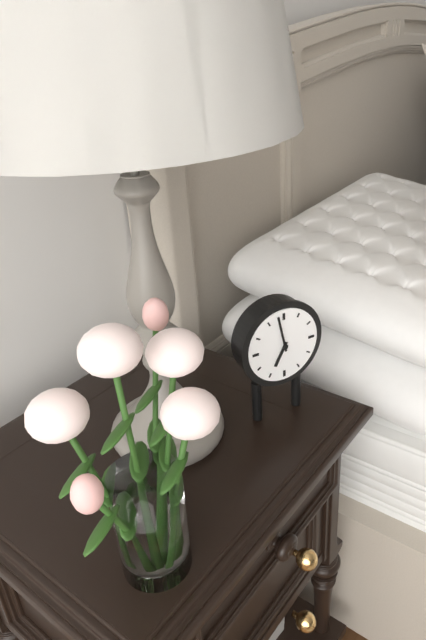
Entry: h=6 m=58
